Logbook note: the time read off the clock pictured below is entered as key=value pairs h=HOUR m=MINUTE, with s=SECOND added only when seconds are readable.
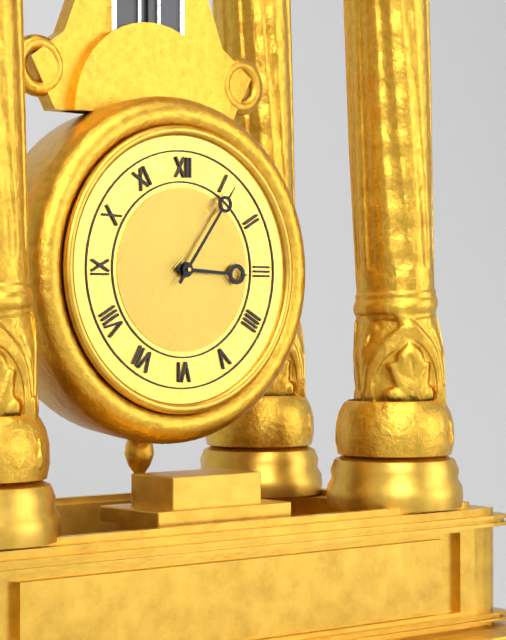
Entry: h=3 m=6
